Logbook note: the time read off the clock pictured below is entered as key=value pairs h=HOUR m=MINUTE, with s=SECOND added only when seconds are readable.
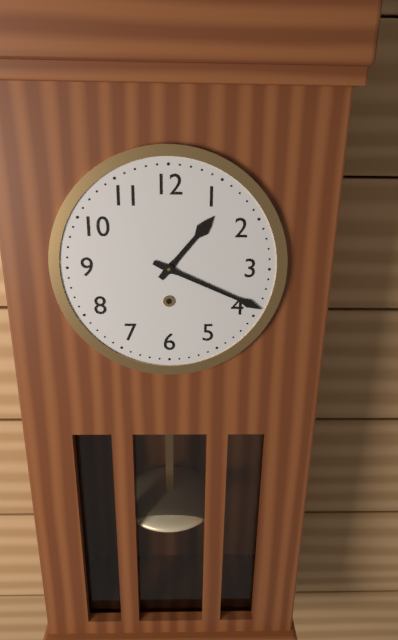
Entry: h=1 m=19
